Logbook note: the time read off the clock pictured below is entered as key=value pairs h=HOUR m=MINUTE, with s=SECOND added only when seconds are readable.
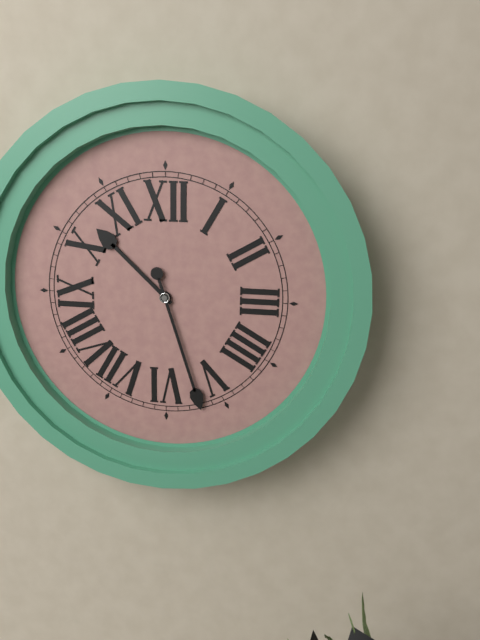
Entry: h=10 m=27
